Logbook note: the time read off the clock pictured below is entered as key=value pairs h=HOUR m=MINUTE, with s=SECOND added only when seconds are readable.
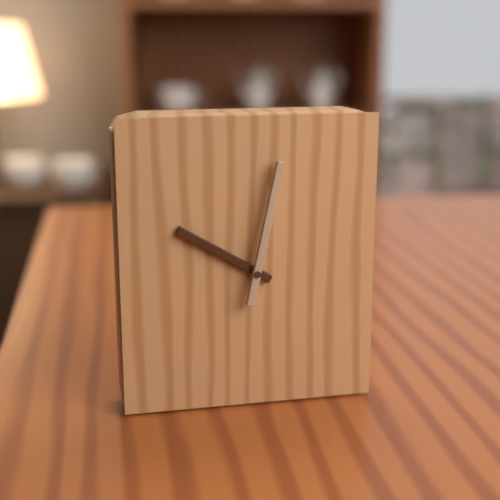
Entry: h=10 m=2
